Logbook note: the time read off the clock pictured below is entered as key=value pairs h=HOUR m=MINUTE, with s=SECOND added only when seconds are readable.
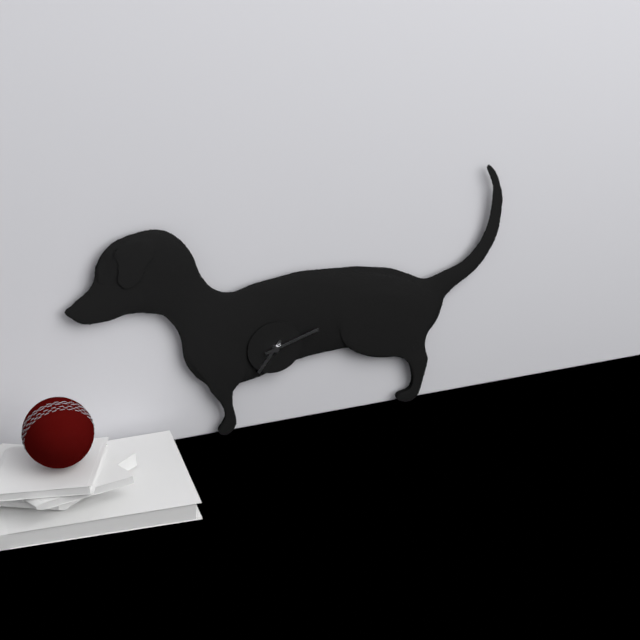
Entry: h=7 m=12
